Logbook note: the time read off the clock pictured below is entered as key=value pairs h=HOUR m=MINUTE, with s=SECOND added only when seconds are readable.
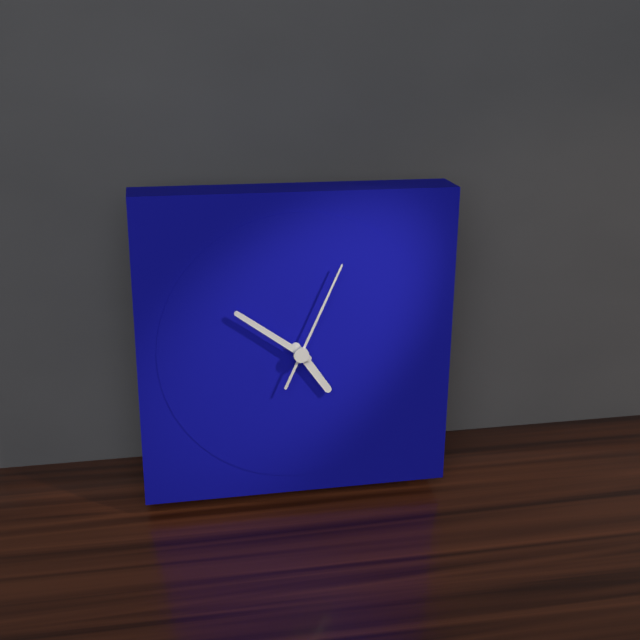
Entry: h=4 m=51 s=4
